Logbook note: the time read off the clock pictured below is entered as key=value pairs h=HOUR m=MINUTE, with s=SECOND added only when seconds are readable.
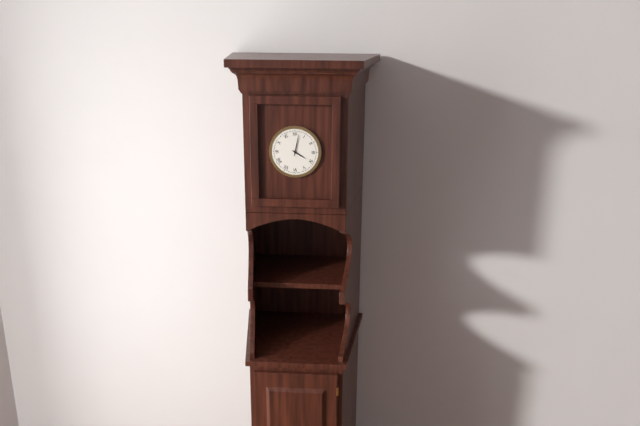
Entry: h=4 m=2
